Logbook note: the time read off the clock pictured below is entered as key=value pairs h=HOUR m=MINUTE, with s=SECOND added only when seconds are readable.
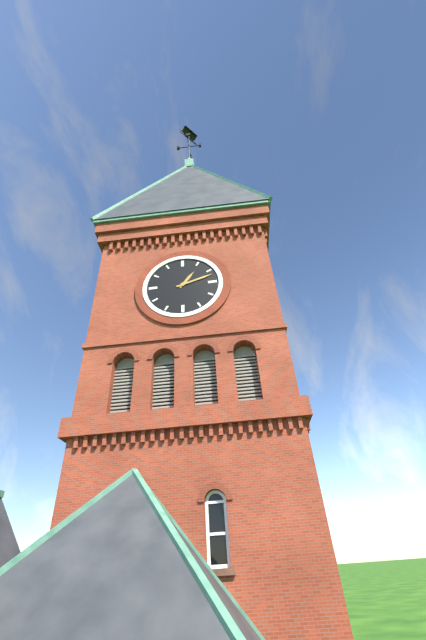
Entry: h=1 m=12
